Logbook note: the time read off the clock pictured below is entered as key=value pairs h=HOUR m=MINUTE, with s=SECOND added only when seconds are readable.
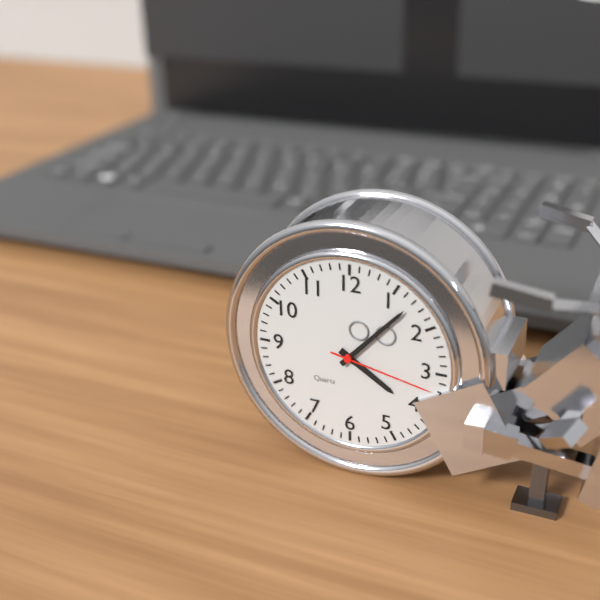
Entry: h=4 m=7 s=17
